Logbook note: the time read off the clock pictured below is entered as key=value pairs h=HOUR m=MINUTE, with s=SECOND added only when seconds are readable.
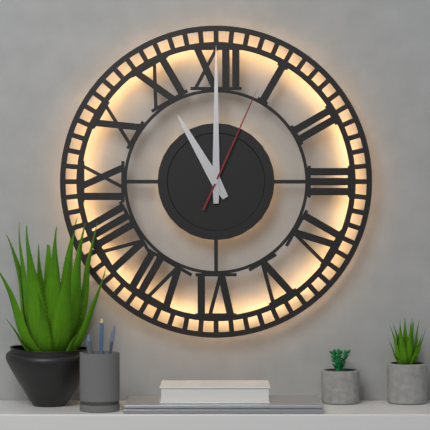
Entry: h=11 m=0 s=4
